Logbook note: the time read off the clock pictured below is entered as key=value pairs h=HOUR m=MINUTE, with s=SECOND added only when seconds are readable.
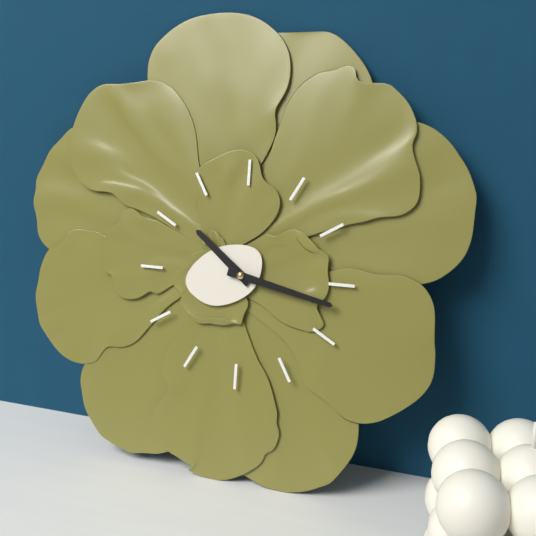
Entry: h=10 m=17
